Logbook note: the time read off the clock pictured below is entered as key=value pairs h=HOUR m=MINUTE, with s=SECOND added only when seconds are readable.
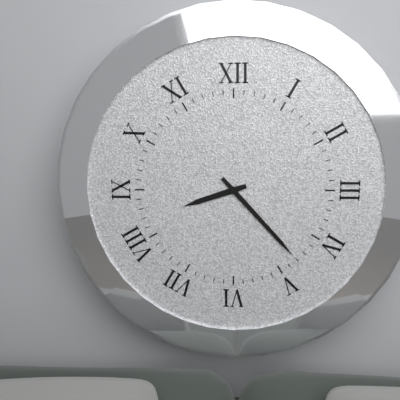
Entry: h=8 m=23
